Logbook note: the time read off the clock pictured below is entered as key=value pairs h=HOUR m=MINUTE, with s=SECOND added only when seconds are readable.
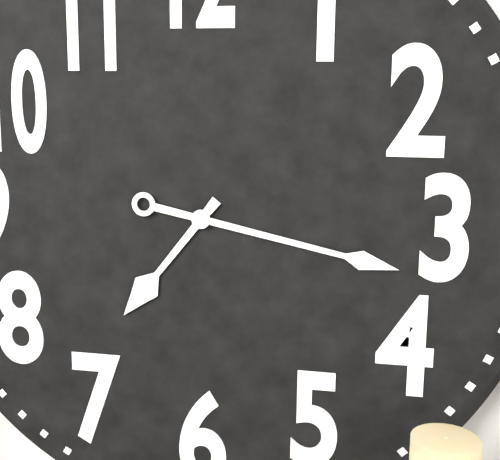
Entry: h=7 m=17
